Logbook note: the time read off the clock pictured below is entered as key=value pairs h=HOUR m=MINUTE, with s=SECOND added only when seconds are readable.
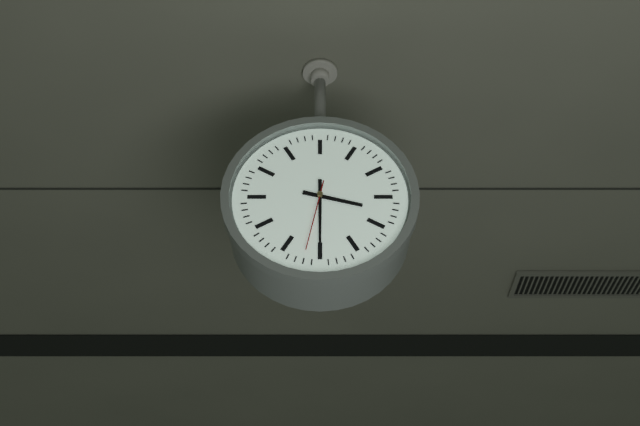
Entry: h=3 m=30
